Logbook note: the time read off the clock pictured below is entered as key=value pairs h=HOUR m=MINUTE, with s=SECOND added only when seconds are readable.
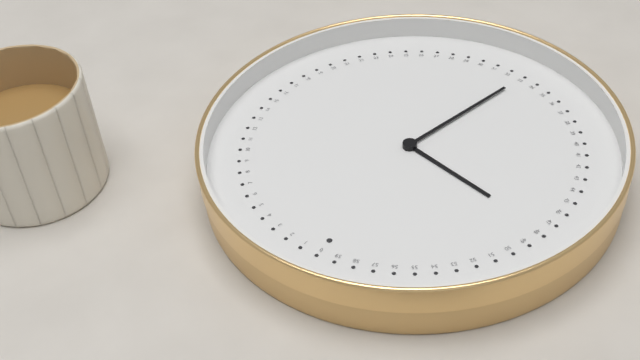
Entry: h=9 m=33
